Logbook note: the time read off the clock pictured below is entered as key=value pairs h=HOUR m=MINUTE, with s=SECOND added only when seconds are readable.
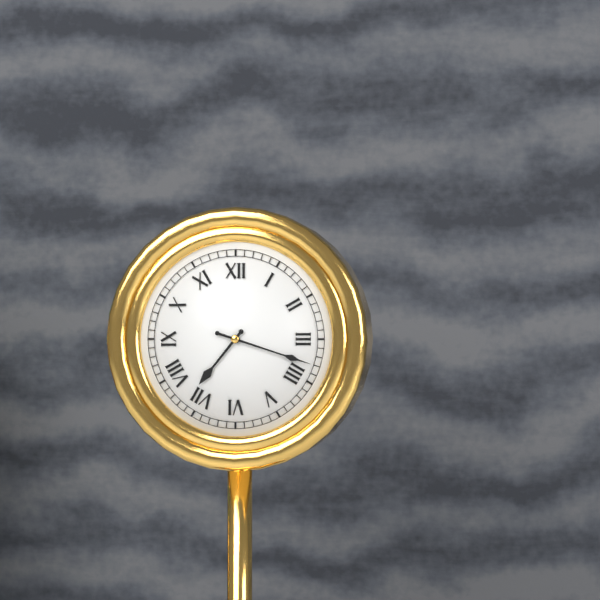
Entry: h=7 m=18
